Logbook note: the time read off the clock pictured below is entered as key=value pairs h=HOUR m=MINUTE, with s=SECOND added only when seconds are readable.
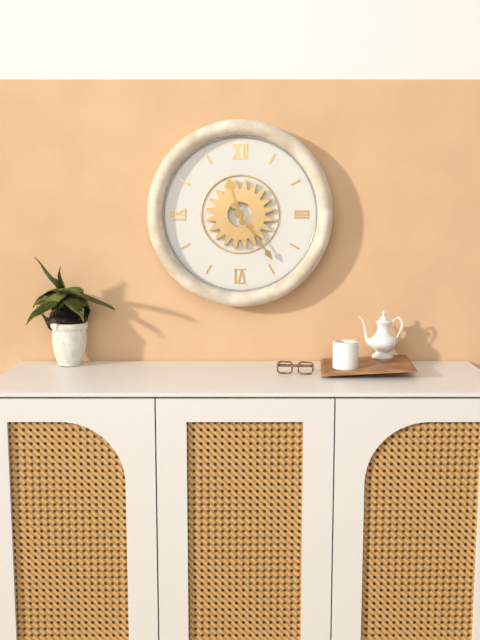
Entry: h=11 m=24
